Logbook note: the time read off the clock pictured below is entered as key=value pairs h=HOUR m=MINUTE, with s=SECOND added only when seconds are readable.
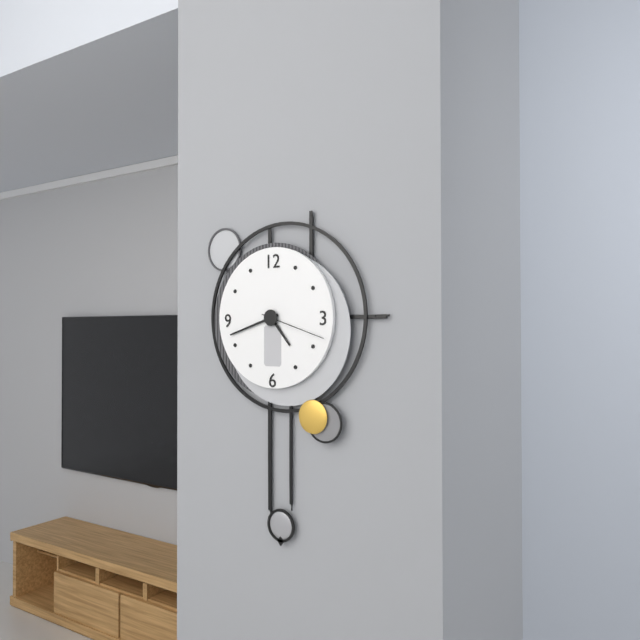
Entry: h=4 m=42 s=18
